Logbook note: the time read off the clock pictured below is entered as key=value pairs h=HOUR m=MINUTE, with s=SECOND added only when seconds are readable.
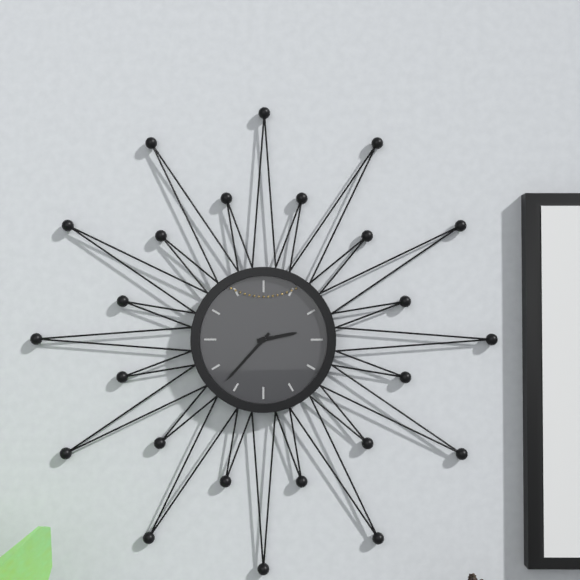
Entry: h=2 m=37
